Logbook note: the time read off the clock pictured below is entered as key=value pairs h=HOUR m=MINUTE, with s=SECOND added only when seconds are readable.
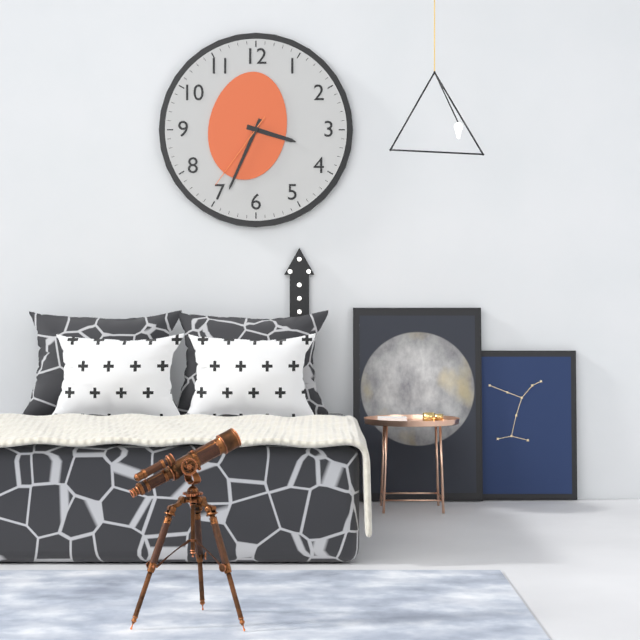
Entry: h=3 m=34 s=36
